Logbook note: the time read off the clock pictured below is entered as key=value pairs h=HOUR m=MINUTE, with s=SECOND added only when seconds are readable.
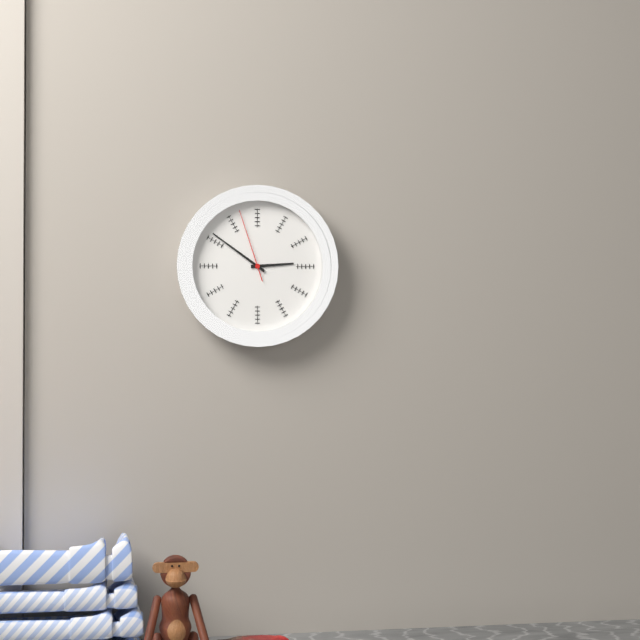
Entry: h=2 m=51 s=57
